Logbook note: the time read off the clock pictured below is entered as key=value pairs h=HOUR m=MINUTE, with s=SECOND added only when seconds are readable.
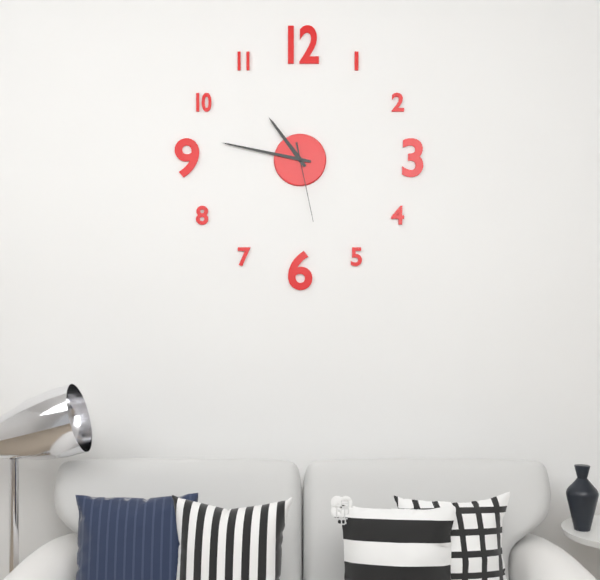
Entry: h=10 m=47 s=28
